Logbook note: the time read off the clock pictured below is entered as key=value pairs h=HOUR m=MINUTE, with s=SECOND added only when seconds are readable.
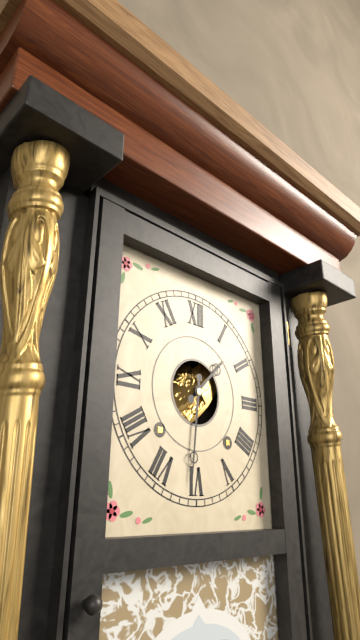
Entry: h=1 m=31
